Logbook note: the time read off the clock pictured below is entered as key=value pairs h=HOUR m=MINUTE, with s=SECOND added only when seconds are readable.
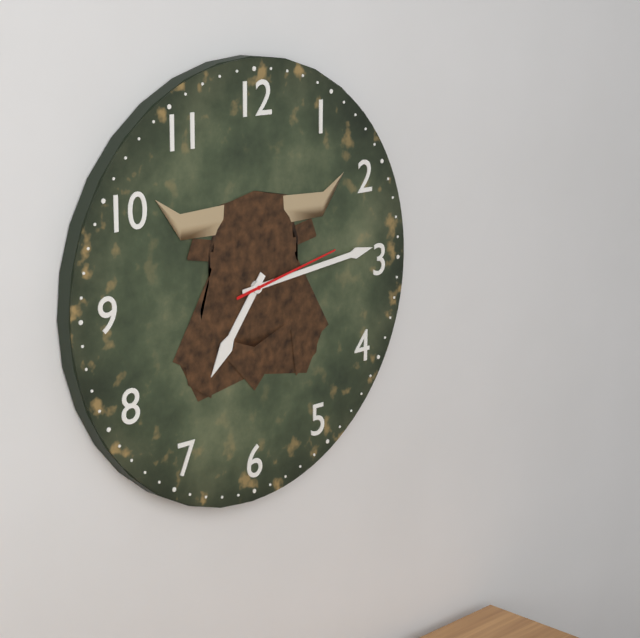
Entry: h=7 m=14 s=13
